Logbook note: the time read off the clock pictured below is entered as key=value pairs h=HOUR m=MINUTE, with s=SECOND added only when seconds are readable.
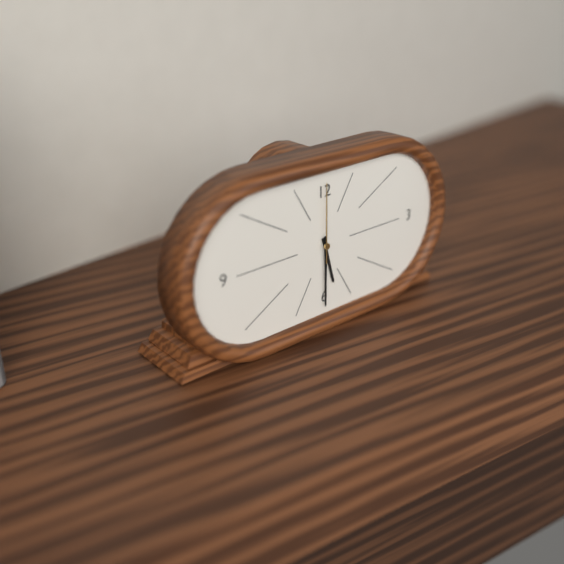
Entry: h=5 m=30 s=0
